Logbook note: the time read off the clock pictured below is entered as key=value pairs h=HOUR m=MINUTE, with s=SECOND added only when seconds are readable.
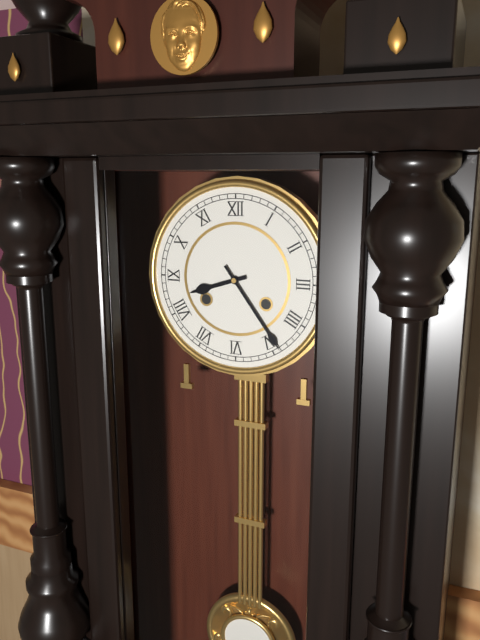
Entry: h=8 m=24
